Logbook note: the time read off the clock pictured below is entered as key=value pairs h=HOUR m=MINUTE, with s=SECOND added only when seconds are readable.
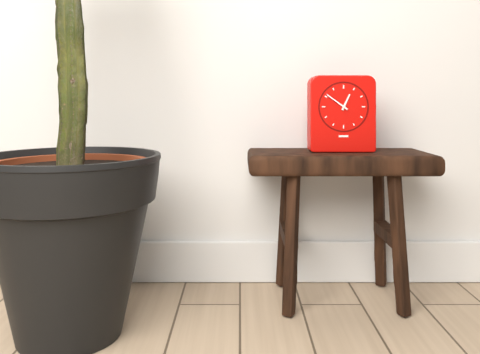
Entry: h=12 m=51
